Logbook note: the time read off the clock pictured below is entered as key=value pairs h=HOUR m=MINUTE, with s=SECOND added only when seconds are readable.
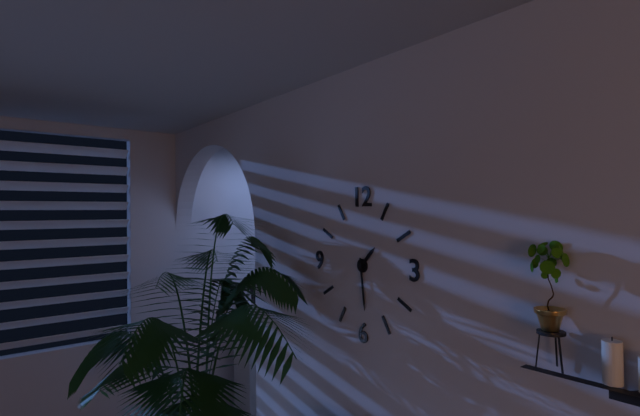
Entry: h=1 m=29
